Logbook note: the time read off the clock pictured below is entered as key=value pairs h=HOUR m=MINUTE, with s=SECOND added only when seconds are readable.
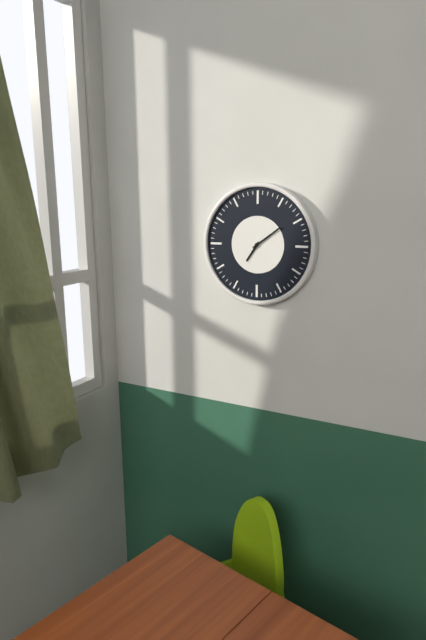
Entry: h=7 m=9
